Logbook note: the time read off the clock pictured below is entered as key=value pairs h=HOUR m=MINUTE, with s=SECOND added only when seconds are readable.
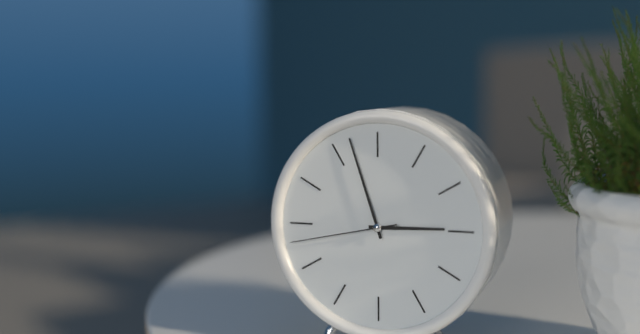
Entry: h=2 m=57 s=43
